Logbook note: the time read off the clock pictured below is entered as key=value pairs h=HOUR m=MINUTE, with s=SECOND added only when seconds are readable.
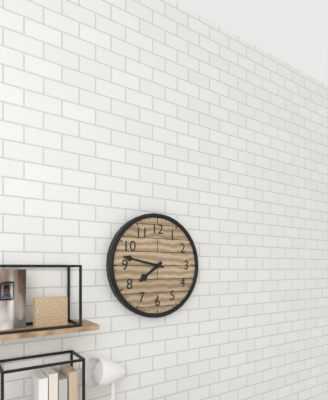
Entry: h=7 m=47
